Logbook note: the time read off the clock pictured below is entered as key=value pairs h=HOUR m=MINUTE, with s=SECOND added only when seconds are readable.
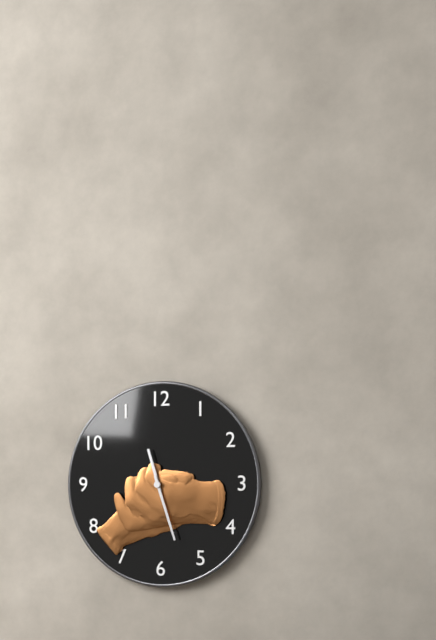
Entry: h=11 m=27
